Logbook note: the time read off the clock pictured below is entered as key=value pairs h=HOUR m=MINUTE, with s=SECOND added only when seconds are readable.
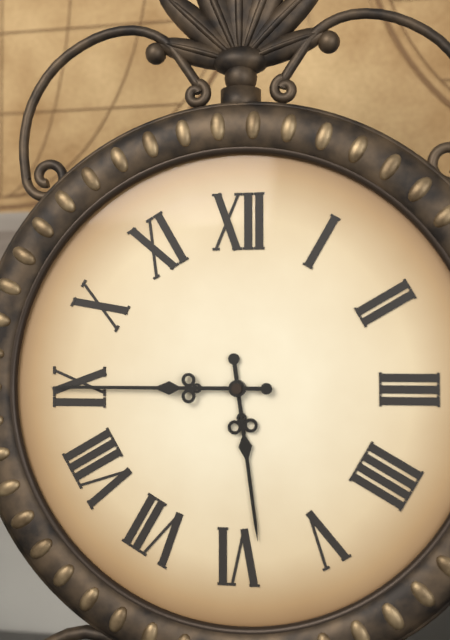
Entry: h=5 m=45
